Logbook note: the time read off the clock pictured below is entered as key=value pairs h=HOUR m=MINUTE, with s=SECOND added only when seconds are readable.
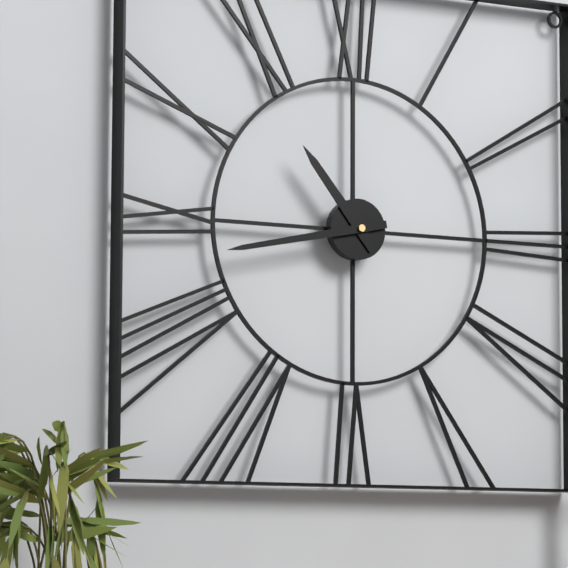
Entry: h=10 m=43
